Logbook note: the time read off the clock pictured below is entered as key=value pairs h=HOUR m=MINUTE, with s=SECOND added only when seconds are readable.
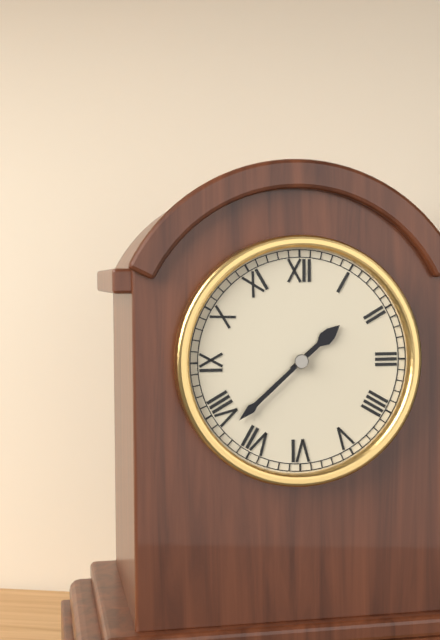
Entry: h=1 m=38
